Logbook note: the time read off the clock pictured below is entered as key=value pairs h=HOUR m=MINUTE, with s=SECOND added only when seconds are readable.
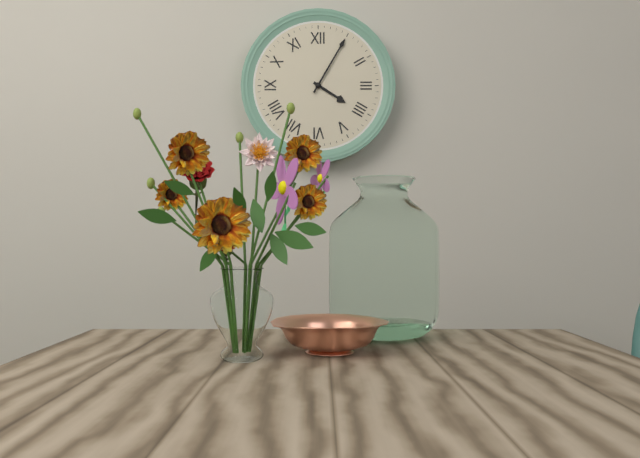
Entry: h=4 m=5
